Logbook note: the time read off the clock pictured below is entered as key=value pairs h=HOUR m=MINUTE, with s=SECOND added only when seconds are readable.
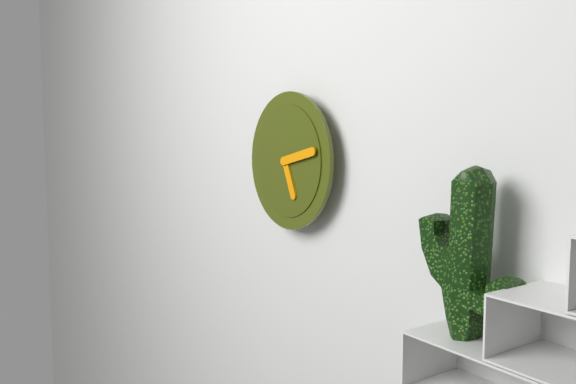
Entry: h=5 m=13
